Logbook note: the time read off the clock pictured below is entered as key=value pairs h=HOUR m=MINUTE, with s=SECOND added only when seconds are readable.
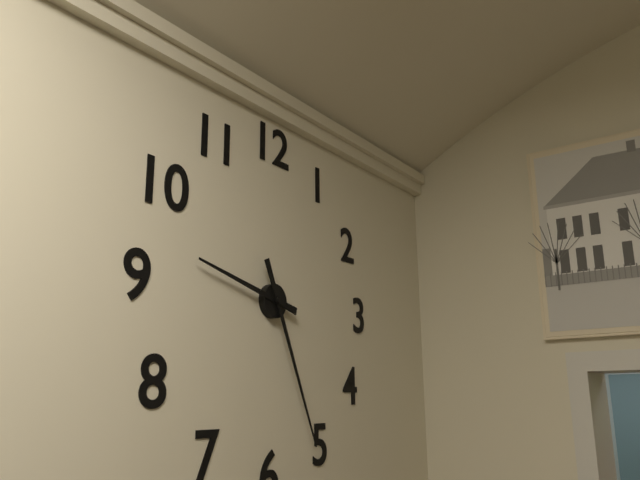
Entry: h=9 m=26
